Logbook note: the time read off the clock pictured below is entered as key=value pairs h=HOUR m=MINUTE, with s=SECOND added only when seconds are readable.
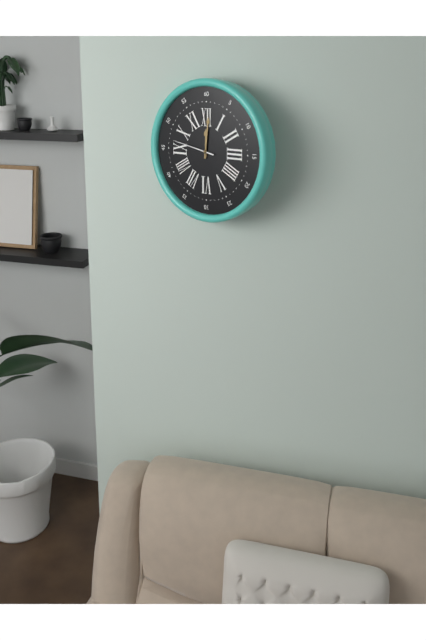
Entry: h=12 m=1
